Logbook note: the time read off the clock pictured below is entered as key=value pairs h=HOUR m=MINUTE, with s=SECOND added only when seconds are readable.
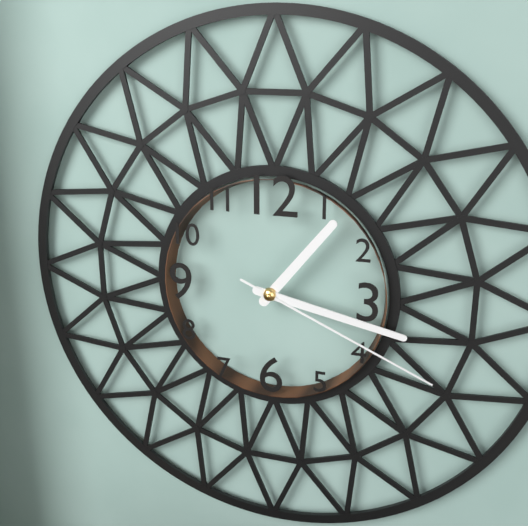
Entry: h=1 m=17 s=19
